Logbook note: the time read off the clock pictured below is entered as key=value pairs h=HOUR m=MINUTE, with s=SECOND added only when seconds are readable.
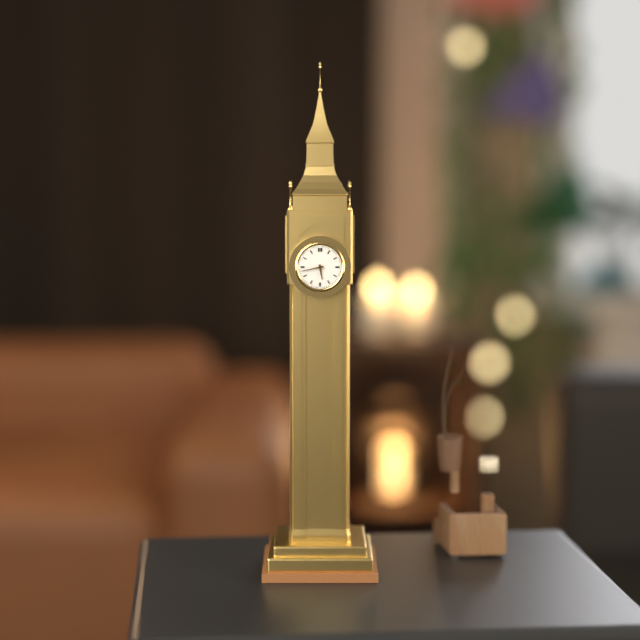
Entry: h=5 m=43
